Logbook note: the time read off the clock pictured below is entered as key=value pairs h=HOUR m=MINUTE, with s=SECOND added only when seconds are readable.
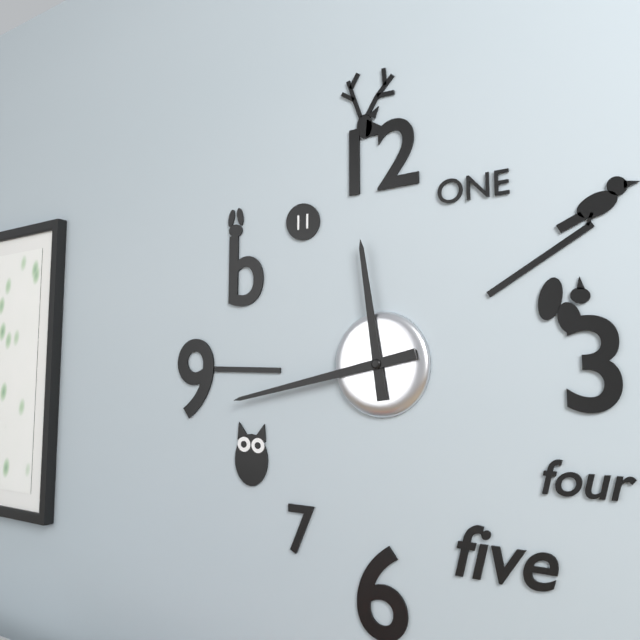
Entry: h=11 m=43
